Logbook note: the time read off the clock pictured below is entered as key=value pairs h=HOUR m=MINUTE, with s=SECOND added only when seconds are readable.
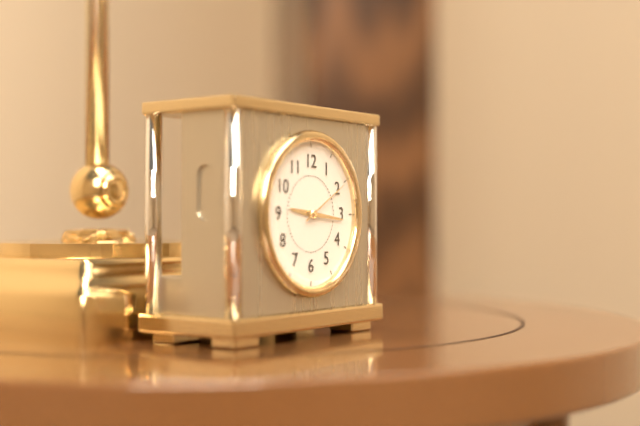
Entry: h=9 m=16 s=10
